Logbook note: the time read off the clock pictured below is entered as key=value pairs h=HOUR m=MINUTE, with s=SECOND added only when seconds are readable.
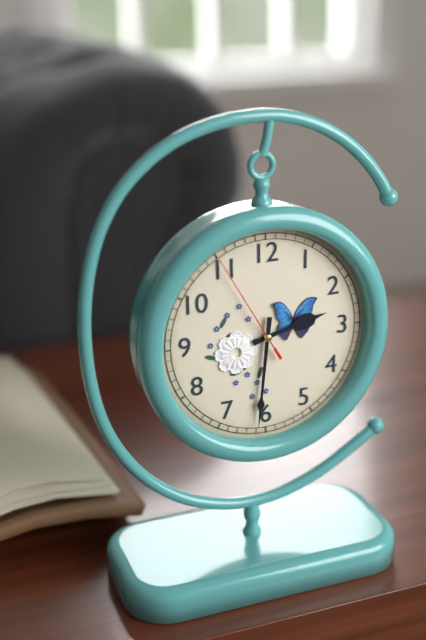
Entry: h=2 m=31 s=55
